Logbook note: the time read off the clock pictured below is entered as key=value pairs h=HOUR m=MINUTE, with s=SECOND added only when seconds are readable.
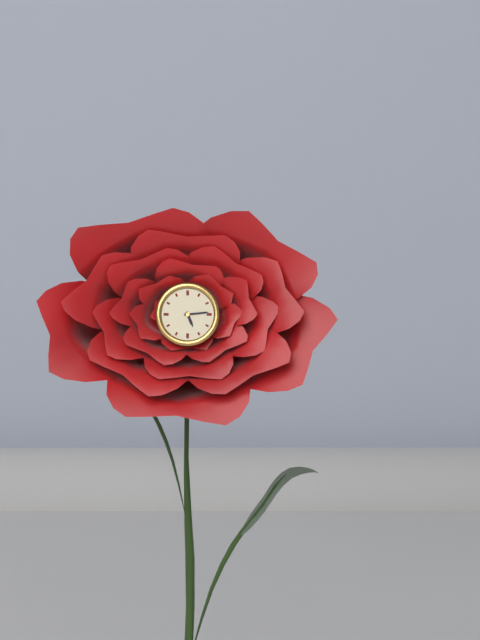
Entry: h=5 m=14
